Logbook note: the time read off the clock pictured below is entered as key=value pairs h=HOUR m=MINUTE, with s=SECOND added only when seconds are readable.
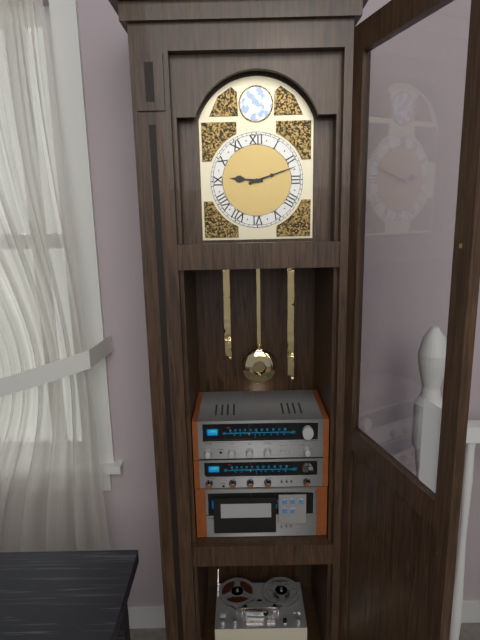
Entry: h=9 m=12
